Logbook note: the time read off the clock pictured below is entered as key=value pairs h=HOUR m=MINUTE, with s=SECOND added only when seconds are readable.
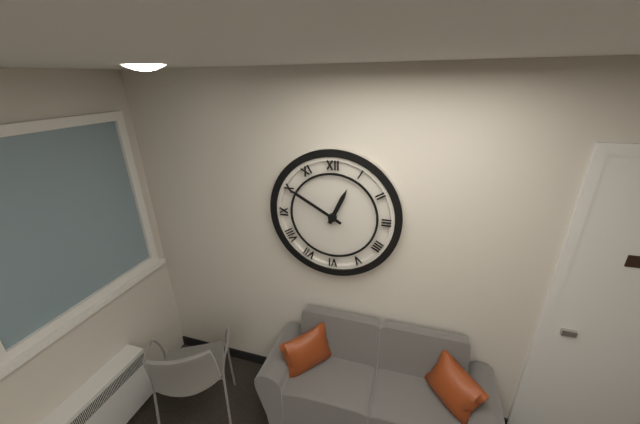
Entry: h=12 m=50
